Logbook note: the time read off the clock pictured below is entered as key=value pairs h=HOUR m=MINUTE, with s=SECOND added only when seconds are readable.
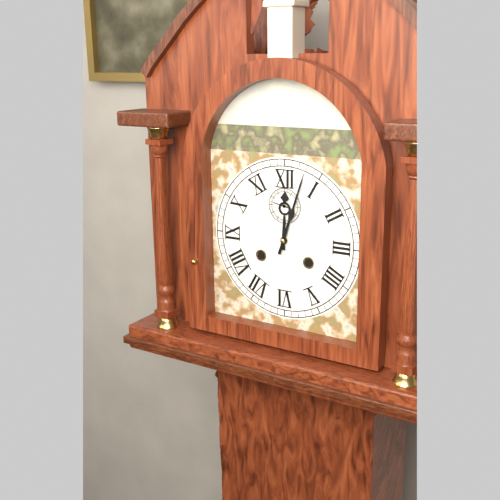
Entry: h=12 m=3
